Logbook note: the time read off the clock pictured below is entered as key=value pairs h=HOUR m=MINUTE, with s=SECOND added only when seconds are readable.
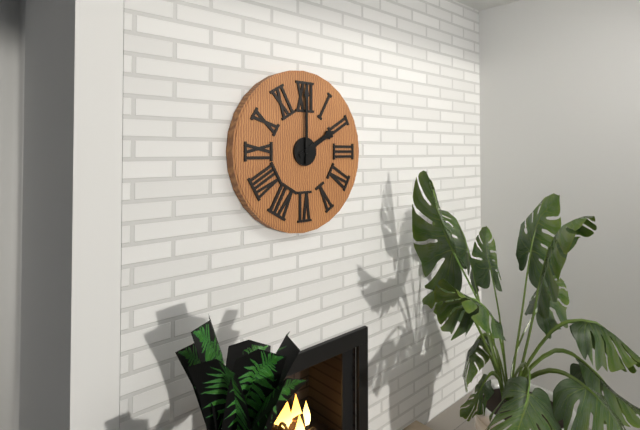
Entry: h=2 m=0
